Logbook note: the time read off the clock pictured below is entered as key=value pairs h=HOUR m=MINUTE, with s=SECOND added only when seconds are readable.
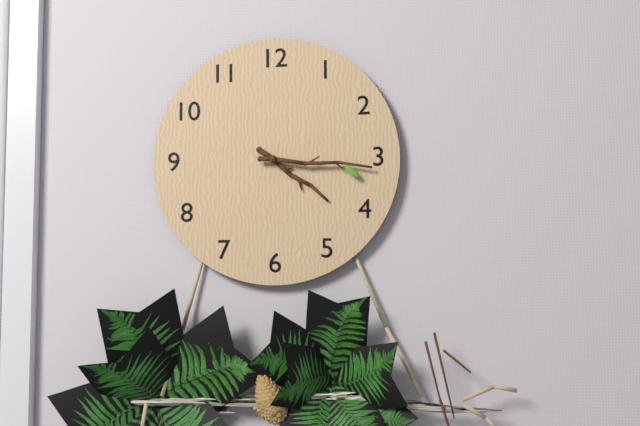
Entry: h=4 m=16
